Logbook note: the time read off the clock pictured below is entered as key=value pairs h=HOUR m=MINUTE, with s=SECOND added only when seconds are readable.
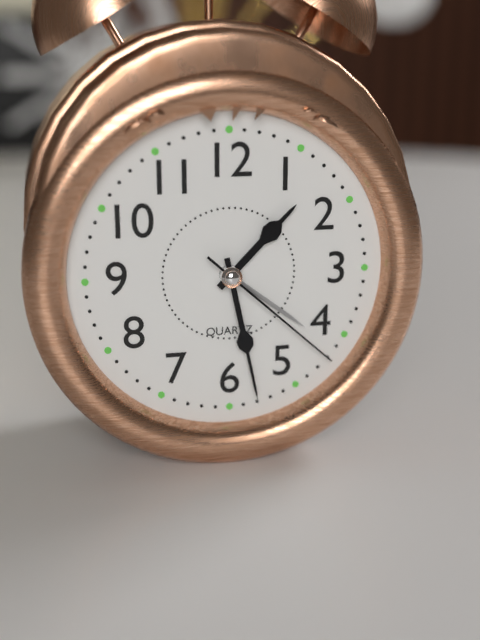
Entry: h=1 m=28 s=22
